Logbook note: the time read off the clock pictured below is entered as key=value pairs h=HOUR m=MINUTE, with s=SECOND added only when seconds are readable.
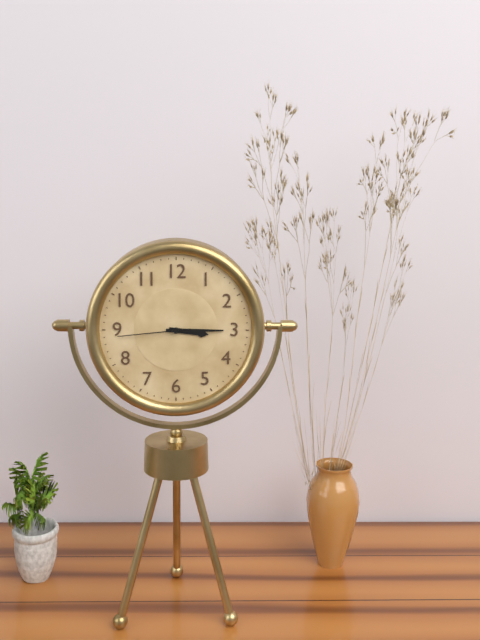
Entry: h=3 m=15 s=44
